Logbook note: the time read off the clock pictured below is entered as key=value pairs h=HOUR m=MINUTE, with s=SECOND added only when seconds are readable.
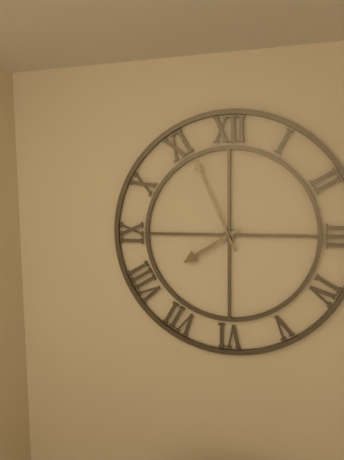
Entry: h=7 m=56
